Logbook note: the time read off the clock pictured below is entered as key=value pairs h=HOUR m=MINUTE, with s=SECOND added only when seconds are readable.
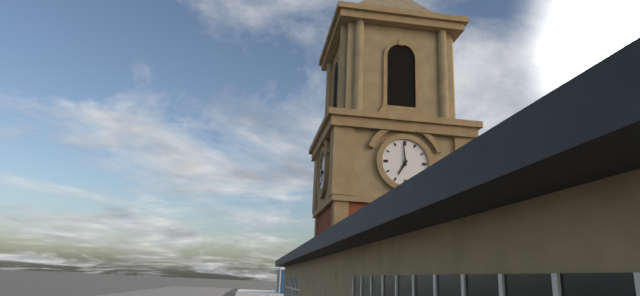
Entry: h=6 m=59
